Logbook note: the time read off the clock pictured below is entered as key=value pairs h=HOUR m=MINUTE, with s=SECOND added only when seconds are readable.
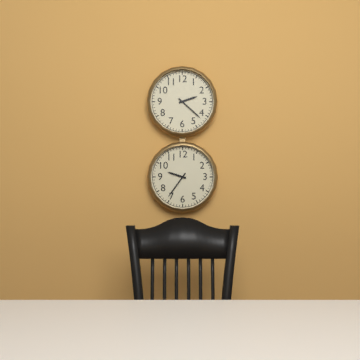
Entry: h=2 m=22
